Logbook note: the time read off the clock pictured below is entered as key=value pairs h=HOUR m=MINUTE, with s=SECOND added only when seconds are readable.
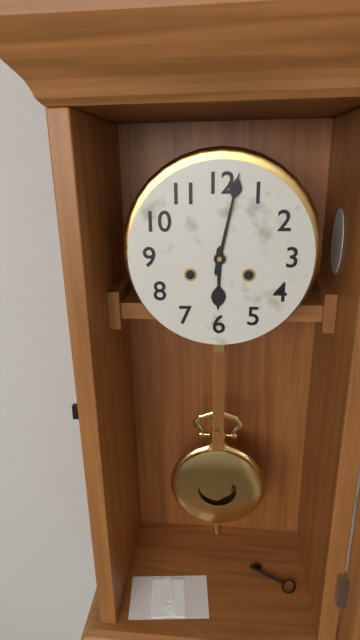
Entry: h=6 m=2
